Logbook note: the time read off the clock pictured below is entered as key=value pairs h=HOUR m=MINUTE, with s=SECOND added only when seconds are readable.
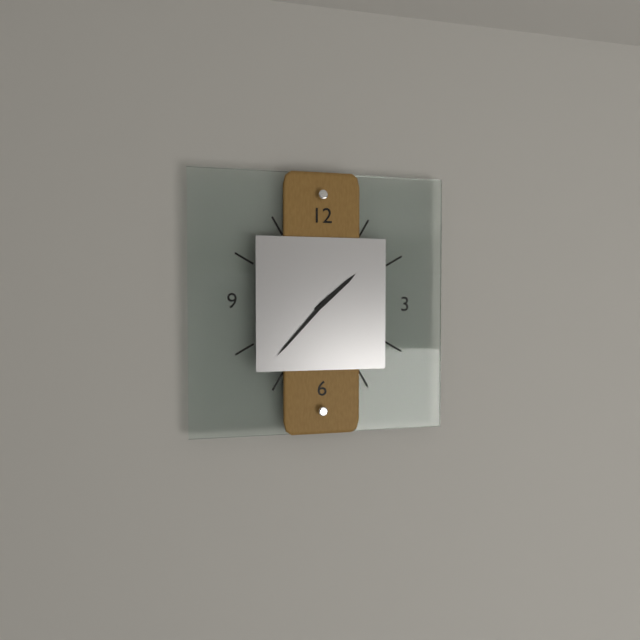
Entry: h=1 m=37
